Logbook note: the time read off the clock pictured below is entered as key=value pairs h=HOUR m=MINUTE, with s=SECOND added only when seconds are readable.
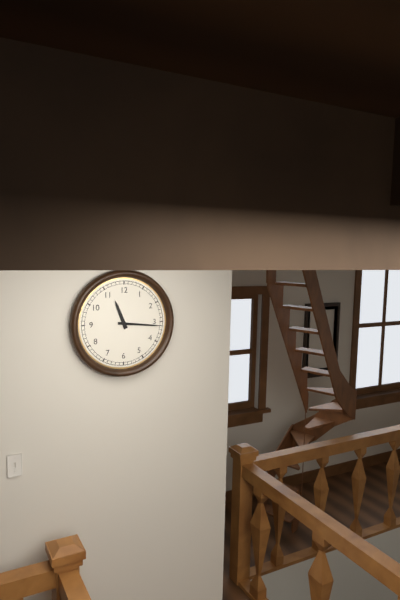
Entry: h=11 m=16
